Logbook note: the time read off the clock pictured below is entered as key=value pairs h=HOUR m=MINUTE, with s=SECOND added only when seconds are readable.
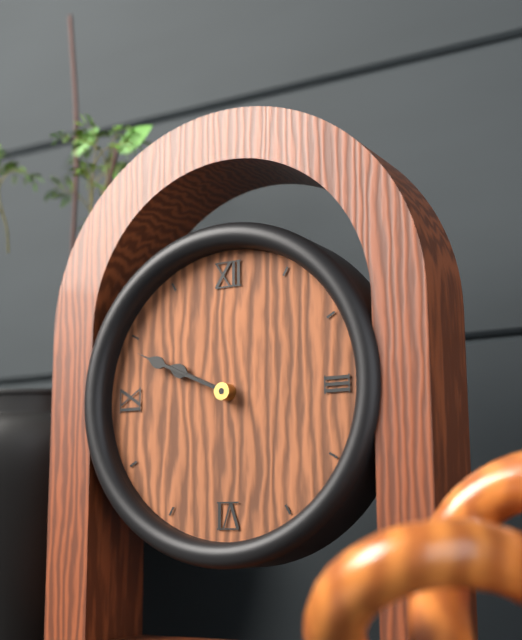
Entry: h=9 m=49
